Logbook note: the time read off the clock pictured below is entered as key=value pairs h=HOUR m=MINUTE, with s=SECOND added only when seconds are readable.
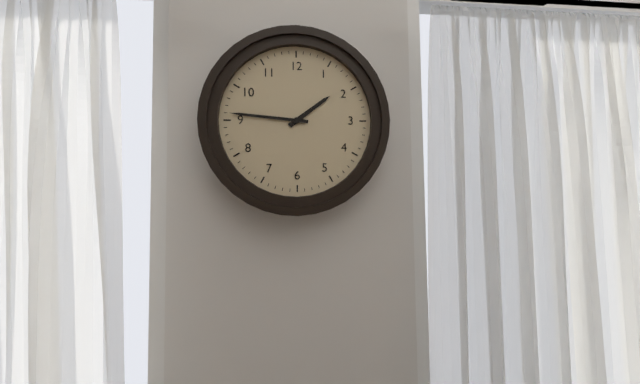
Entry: h=1 m=46
